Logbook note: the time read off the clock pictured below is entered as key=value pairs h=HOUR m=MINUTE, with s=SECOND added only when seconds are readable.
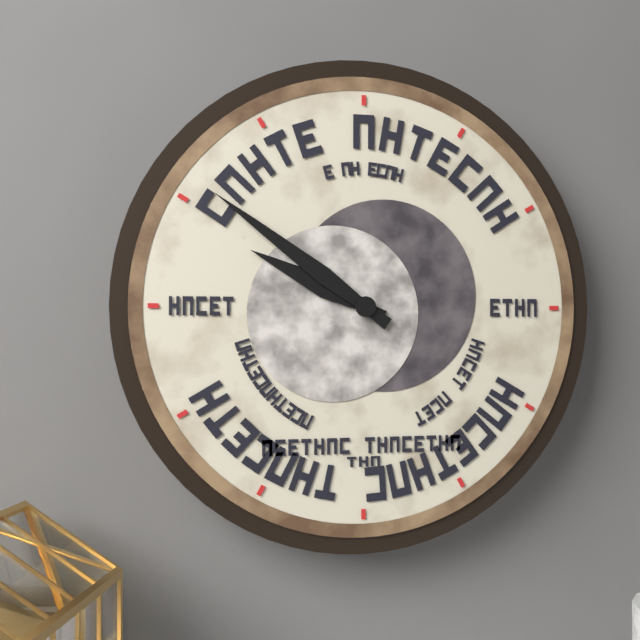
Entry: h=9 m=51
